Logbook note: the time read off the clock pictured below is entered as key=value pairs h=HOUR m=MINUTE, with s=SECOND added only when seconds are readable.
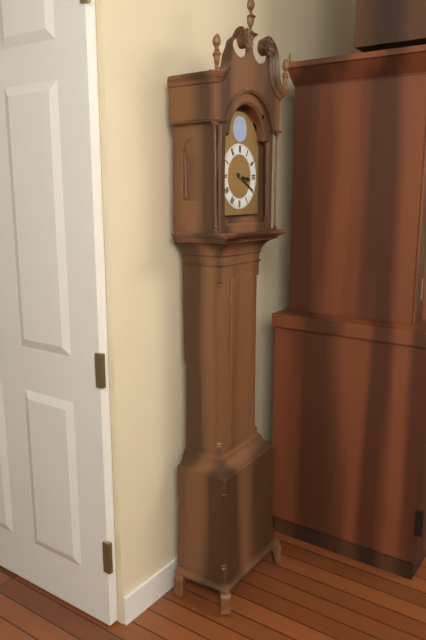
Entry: h=3 m=20
